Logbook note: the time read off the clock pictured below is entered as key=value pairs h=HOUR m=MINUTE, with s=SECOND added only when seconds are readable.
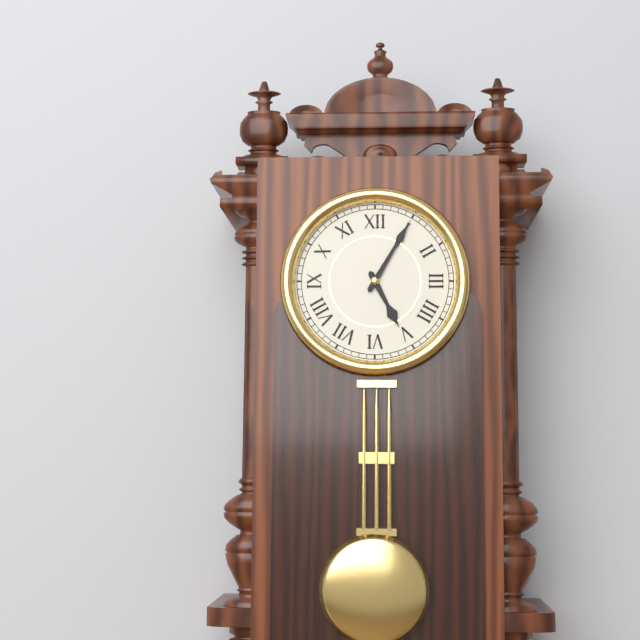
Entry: h=5 m=5
